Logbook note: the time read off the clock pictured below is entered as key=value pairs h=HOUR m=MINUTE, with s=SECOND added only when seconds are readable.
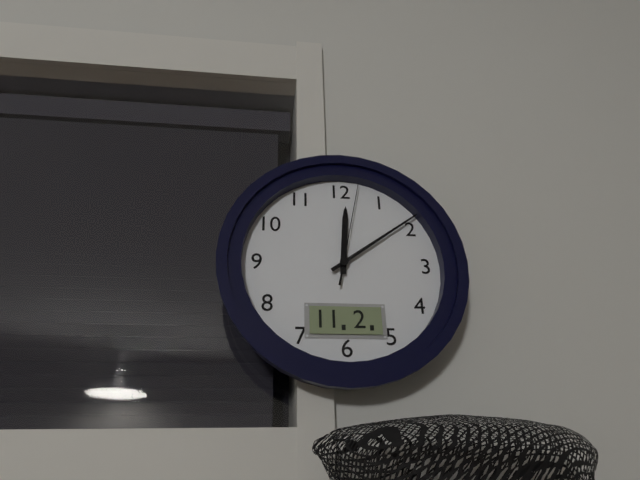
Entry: h=12 m=9 s=2
